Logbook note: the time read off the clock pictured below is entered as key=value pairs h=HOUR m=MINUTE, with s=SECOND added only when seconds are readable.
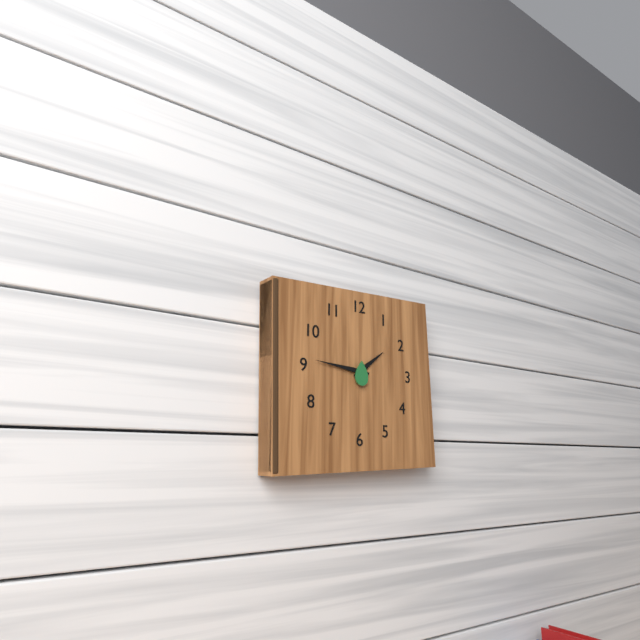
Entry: h=1 m=46
